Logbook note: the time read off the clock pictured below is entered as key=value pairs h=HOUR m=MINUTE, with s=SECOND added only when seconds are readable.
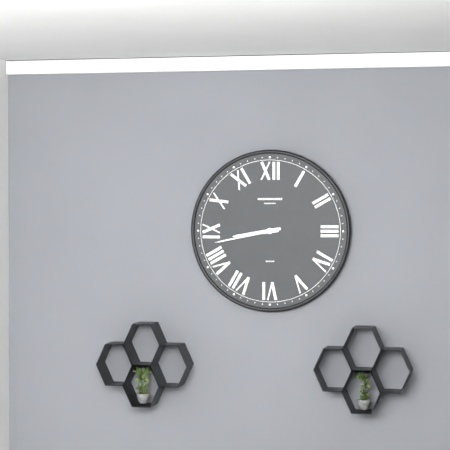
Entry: h=8 m=43
